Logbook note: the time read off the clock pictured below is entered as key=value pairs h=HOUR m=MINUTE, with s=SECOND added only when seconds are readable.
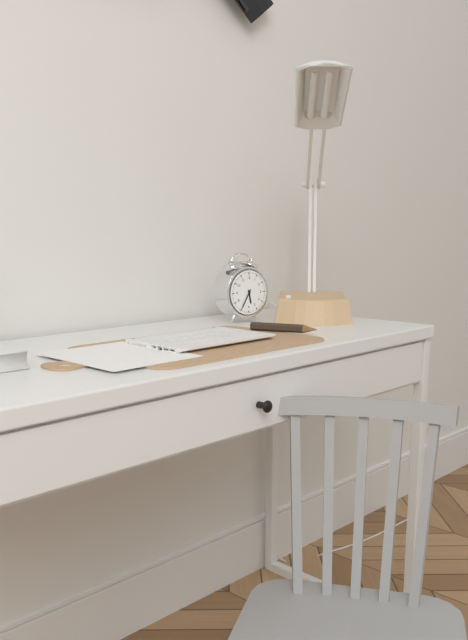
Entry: h=5 m=35
